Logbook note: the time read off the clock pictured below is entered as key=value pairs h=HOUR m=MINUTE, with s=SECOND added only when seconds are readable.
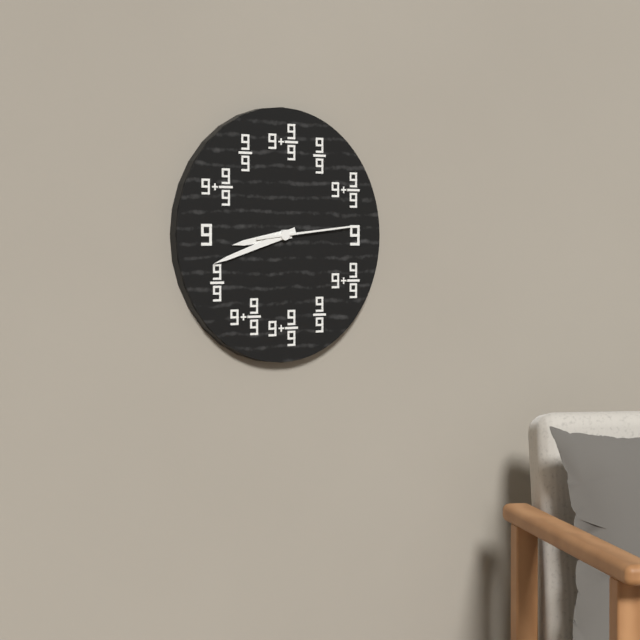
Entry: h=8 m=42 s=14
